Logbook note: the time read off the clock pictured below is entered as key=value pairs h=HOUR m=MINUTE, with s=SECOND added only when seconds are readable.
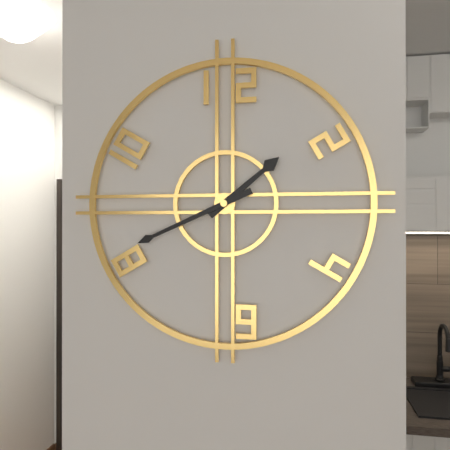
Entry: h=1 m=41
